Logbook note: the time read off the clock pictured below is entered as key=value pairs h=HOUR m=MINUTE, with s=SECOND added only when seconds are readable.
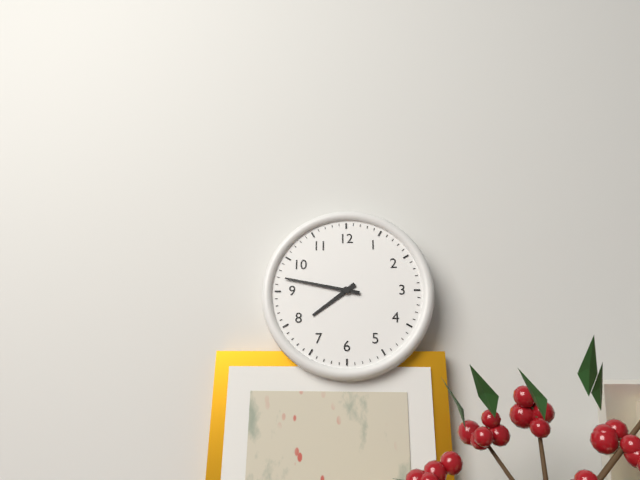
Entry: h=7 m=47
